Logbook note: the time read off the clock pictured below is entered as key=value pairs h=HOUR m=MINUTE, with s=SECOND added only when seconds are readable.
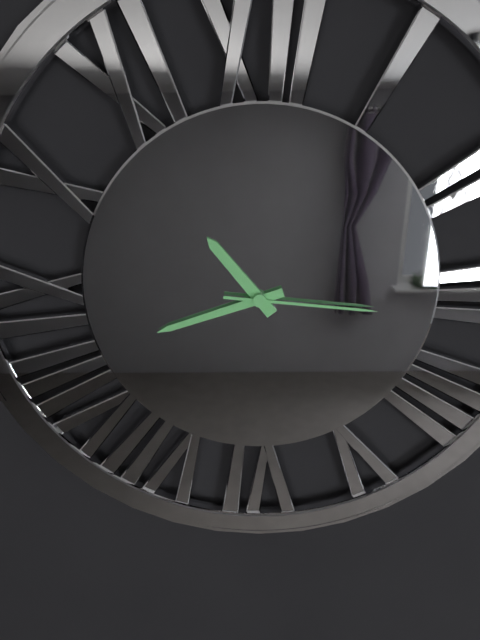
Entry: h=10 m=42 s=16
